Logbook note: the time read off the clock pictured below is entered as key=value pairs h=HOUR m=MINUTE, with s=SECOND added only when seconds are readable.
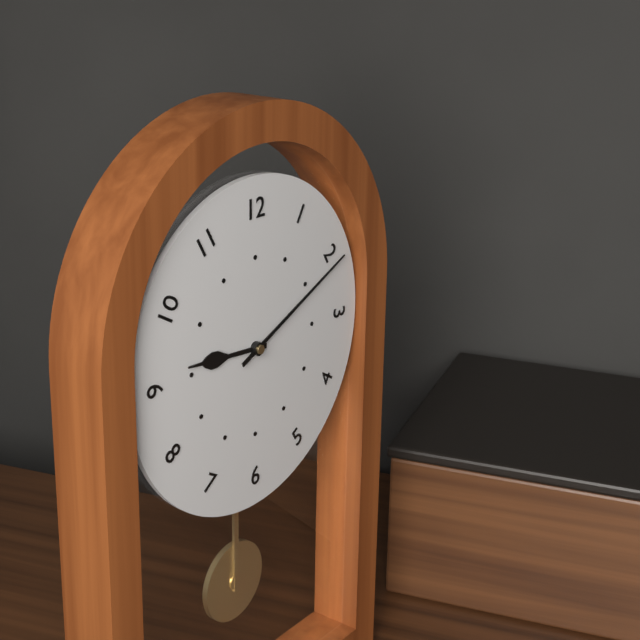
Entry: h=9 m=11
